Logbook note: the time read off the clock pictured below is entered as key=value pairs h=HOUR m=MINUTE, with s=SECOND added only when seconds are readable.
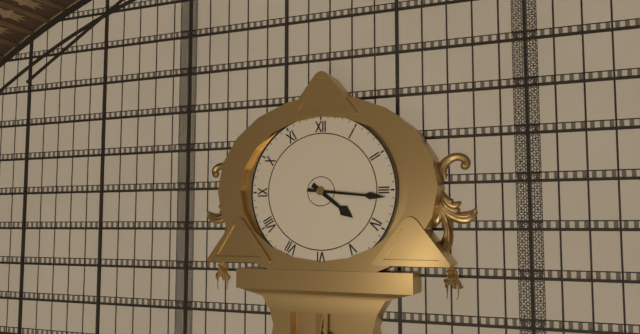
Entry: h=4 m=16
